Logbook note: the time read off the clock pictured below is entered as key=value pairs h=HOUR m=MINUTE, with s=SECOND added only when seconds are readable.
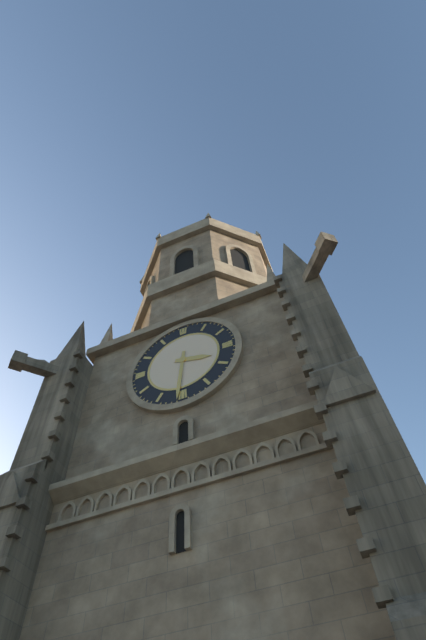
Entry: h=3 m=31
